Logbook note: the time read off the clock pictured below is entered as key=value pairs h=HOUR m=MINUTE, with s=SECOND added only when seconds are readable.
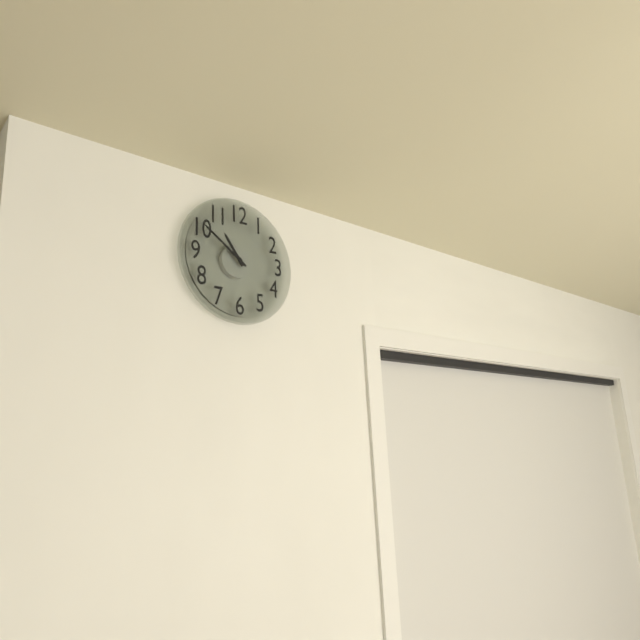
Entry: h=10 m=51
